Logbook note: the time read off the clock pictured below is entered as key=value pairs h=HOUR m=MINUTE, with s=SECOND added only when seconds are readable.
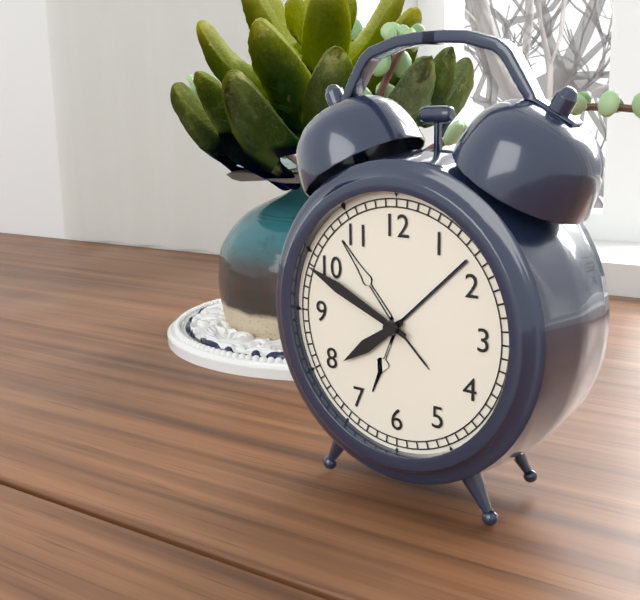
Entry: h=7 m=49
